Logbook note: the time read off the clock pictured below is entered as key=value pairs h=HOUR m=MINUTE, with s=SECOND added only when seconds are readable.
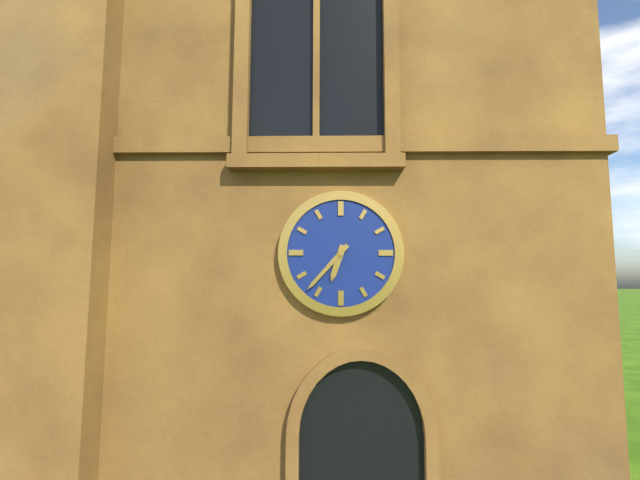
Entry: h=6 m=37
